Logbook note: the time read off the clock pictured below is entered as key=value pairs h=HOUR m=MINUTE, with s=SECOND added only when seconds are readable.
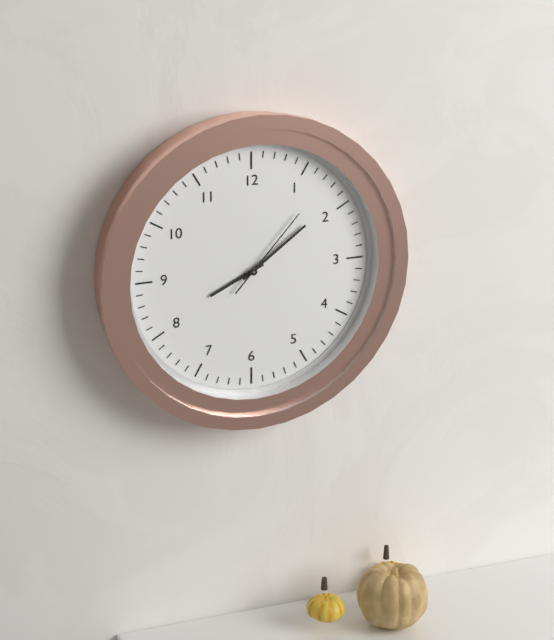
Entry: h=8 m=9 s=7
